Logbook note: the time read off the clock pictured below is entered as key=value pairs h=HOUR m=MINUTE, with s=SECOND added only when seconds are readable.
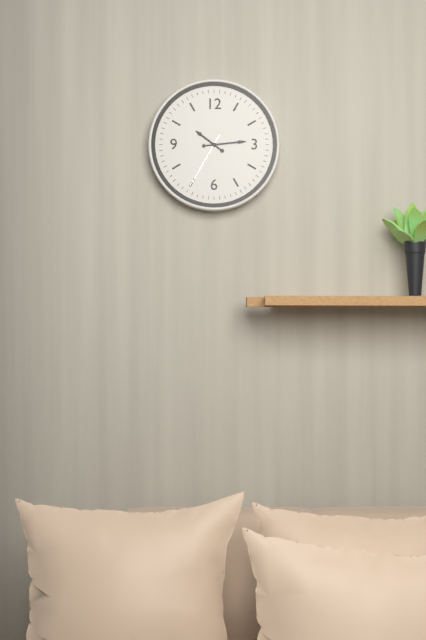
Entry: h=10 m=14 s=35
